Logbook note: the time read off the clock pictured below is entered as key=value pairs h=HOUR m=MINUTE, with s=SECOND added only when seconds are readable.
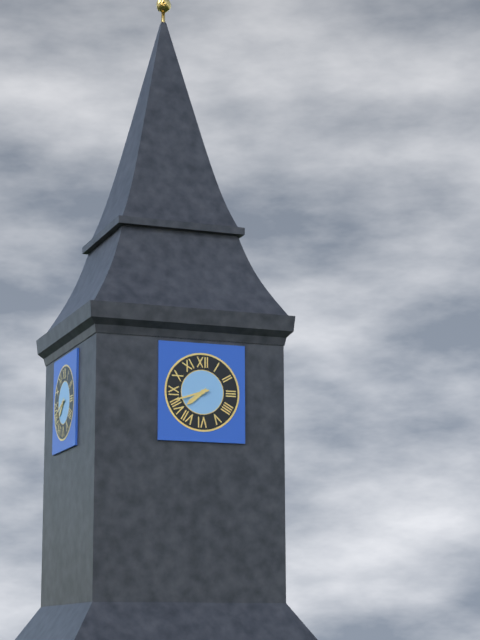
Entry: h=7 m=42
